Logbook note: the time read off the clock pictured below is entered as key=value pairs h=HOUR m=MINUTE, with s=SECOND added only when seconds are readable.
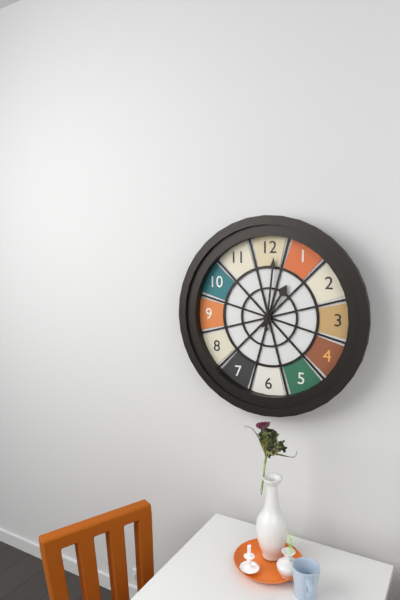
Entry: h=1 m=1
